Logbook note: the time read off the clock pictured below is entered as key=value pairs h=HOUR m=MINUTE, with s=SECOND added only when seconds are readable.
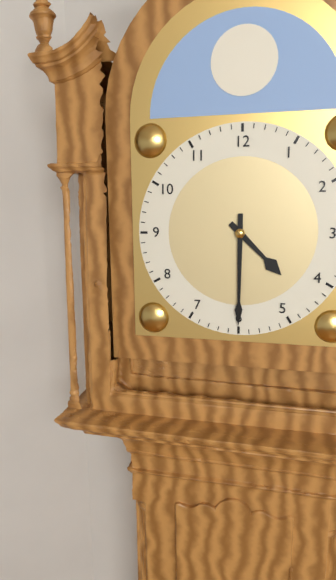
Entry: h=4 m=30
